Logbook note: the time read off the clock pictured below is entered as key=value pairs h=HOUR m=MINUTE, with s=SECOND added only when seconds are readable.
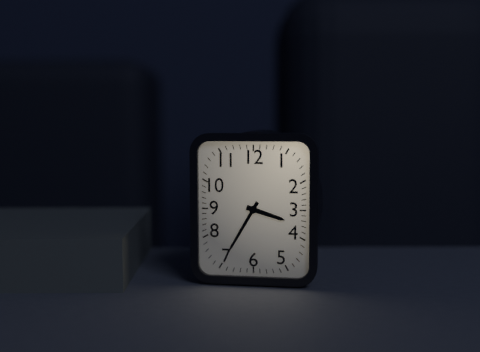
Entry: h=3 m=35
